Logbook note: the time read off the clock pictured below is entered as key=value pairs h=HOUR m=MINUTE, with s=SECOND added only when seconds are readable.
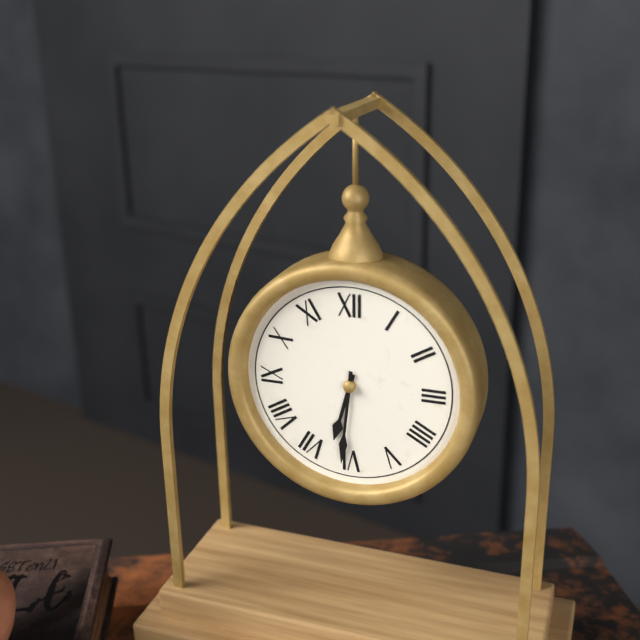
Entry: h=6 m=31
